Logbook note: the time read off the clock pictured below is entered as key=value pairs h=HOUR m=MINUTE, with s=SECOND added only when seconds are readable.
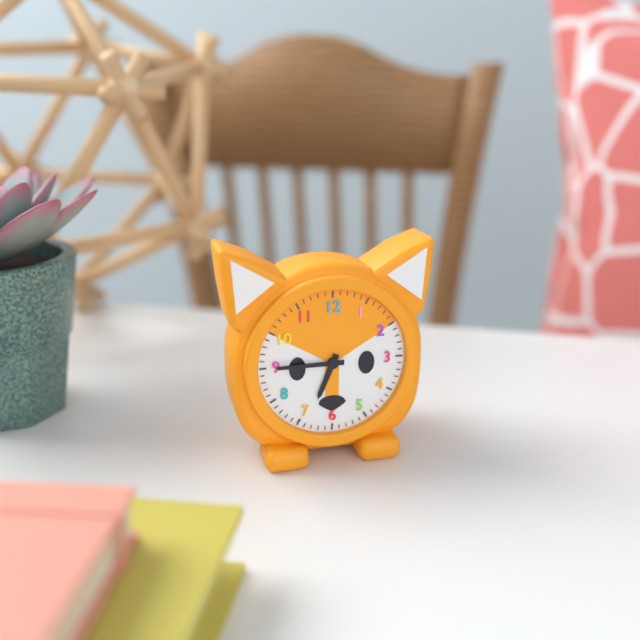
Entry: h=6 m=45
